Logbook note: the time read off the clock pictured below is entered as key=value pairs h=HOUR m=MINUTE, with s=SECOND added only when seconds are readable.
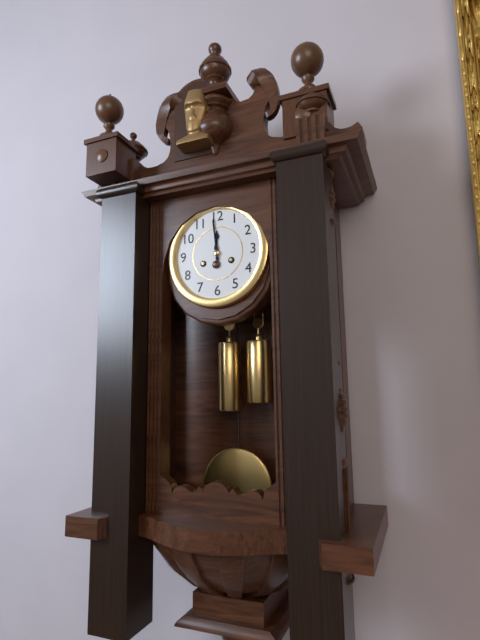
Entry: h=11 m=59
